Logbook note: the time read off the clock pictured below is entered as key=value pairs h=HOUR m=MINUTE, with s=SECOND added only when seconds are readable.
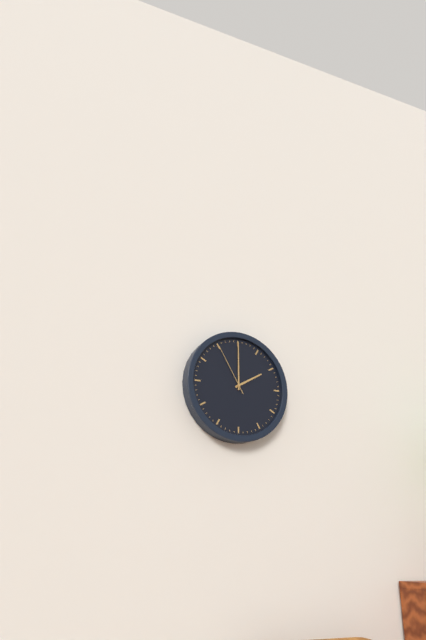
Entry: h=2 m=0 s=55
